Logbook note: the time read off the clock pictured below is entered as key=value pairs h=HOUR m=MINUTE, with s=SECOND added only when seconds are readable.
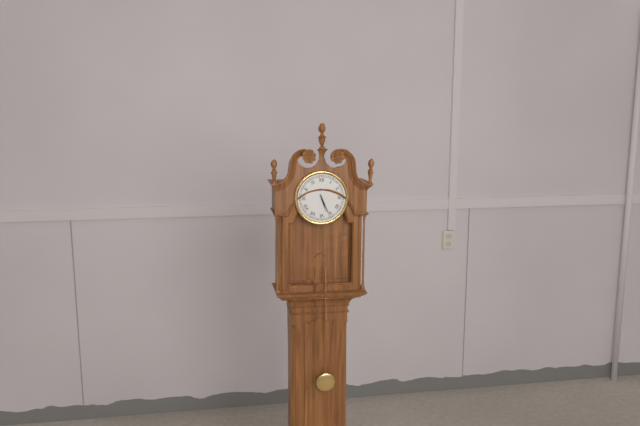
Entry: h=5 m=26
